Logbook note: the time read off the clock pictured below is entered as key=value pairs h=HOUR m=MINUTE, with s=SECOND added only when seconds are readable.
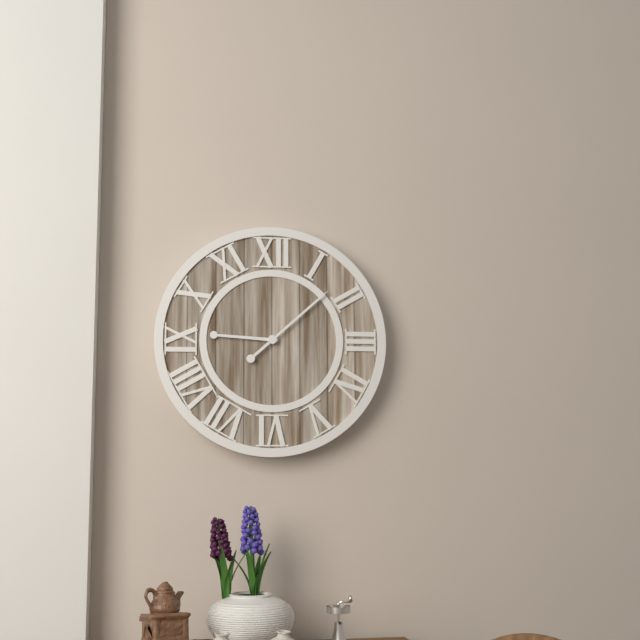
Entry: h=9 m=8
